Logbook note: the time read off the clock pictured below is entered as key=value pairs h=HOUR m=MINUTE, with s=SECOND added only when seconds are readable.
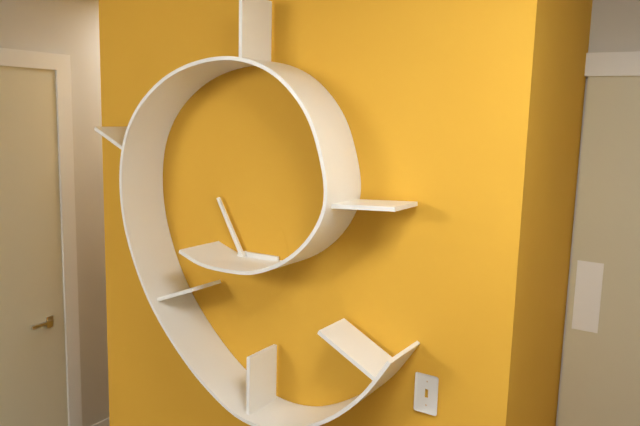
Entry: h=2 m=55
